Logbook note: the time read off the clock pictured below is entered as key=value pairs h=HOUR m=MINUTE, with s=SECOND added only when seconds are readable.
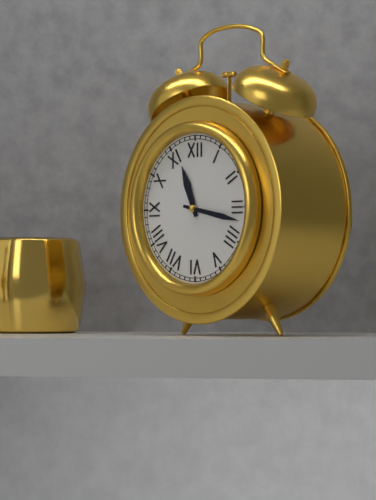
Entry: h=11 m=17
